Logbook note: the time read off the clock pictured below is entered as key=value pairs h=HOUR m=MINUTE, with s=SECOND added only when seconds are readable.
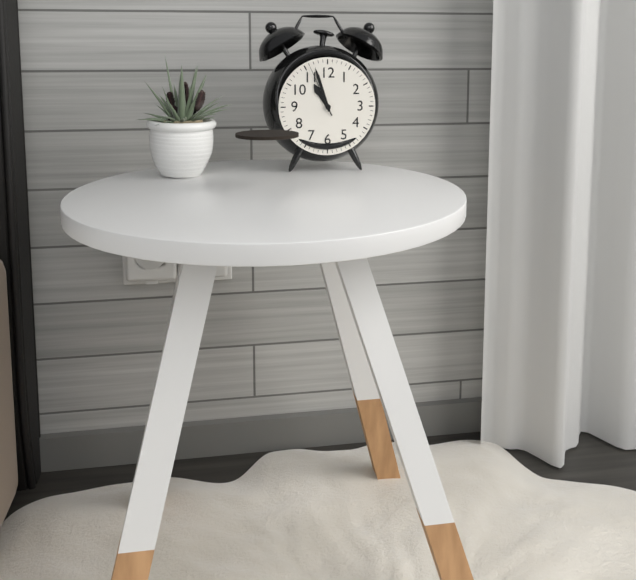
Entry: h=10 m=57 s=56
